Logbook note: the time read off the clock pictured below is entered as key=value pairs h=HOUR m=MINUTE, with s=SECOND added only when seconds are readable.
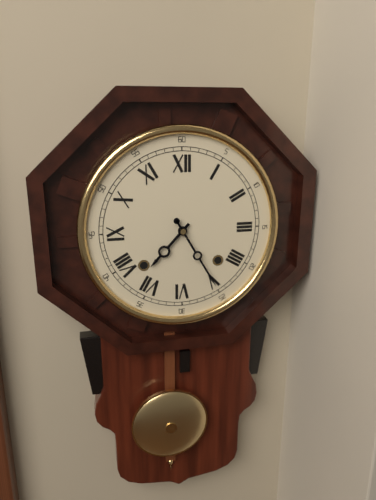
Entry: h=7 m=25
